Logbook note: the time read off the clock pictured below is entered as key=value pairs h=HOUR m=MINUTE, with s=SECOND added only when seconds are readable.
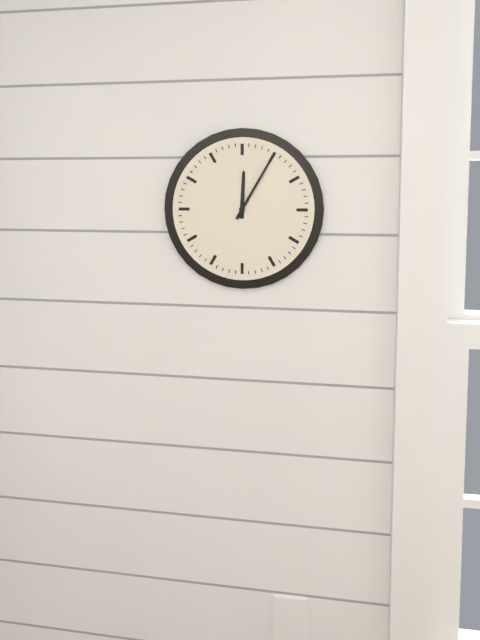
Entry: h=12 m=5
